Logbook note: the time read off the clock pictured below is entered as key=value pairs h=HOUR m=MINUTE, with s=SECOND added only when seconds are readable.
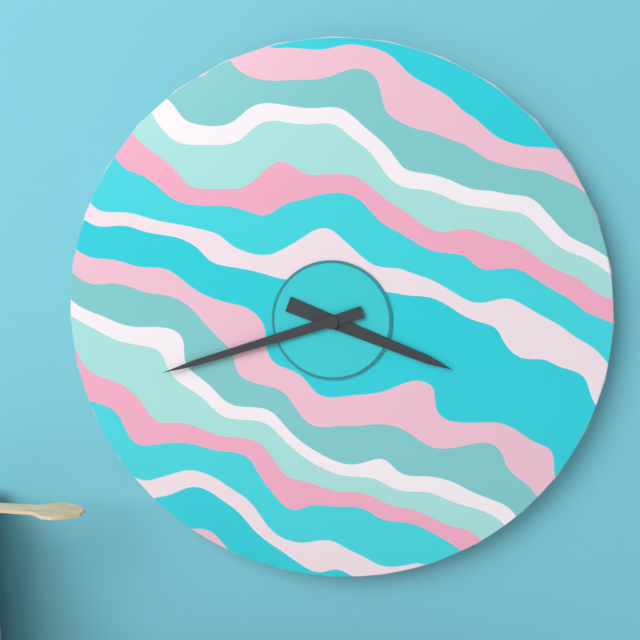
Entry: h=3 m=42
